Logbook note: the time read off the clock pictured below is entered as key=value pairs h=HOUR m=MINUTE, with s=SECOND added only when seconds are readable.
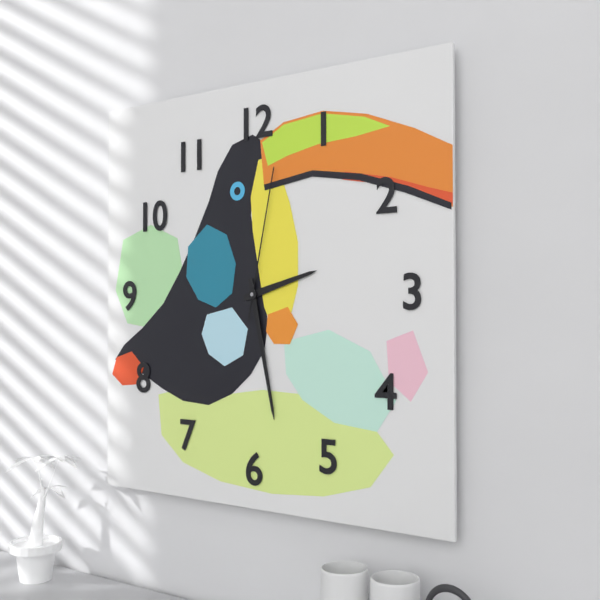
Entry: h=2 m=28 s=2
